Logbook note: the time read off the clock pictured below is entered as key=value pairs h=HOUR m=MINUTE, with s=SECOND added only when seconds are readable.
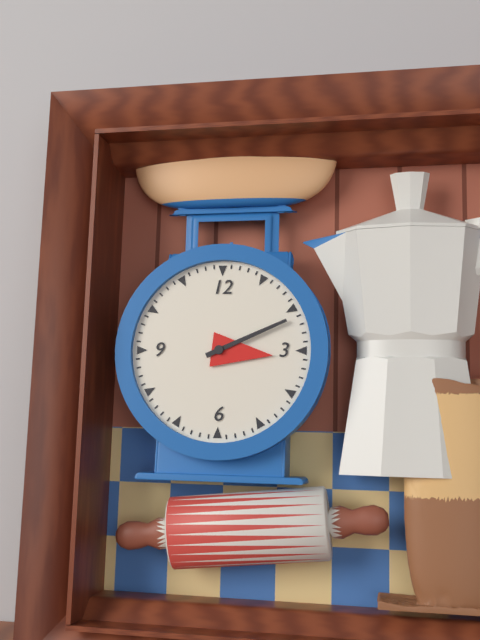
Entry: h=3 m=11
